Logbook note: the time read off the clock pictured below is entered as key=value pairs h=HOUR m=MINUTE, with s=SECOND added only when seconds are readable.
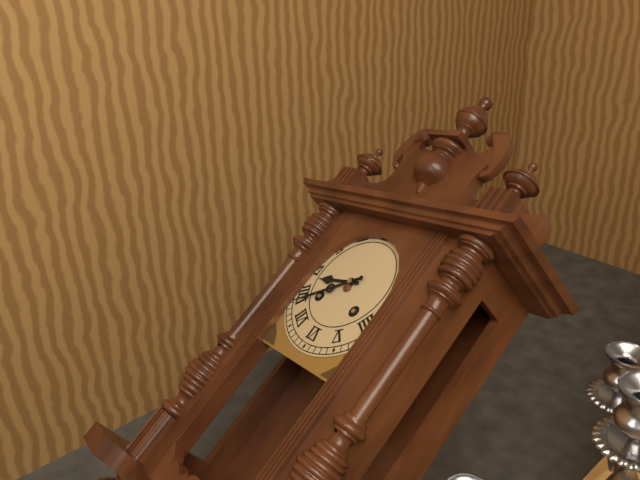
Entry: h=8 m=39
